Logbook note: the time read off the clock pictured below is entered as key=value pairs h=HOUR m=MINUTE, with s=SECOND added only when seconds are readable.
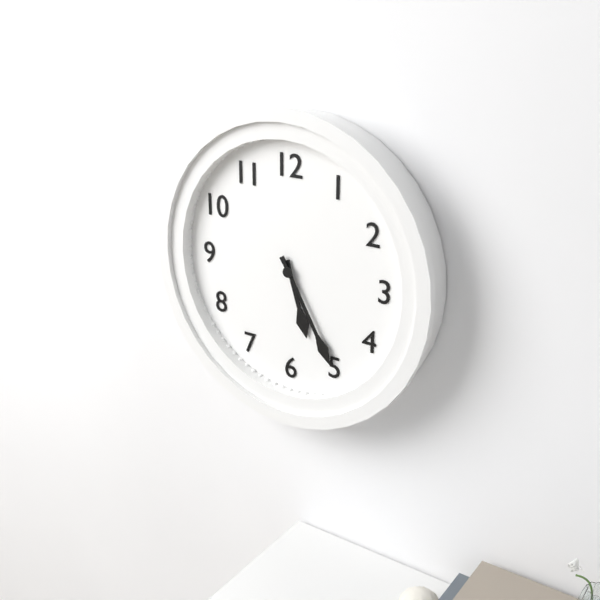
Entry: h=5 m=25
